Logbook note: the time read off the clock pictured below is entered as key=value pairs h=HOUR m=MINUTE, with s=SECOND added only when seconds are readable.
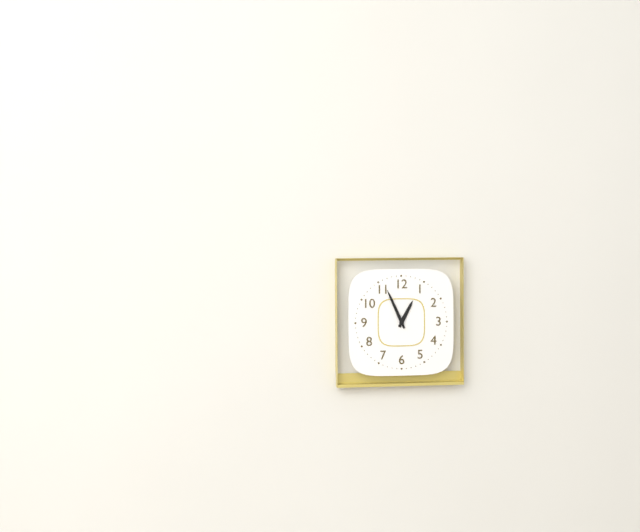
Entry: h=12 m=56
